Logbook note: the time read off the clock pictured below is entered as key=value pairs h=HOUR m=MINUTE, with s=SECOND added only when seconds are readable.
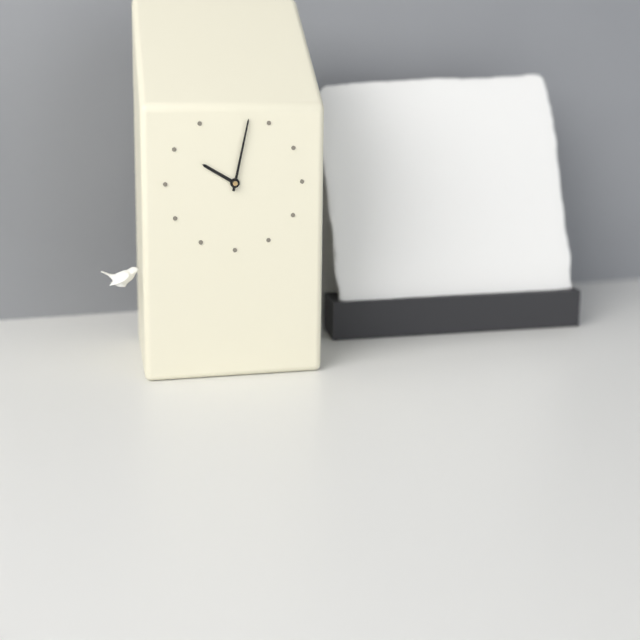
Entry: h=10 m=2
